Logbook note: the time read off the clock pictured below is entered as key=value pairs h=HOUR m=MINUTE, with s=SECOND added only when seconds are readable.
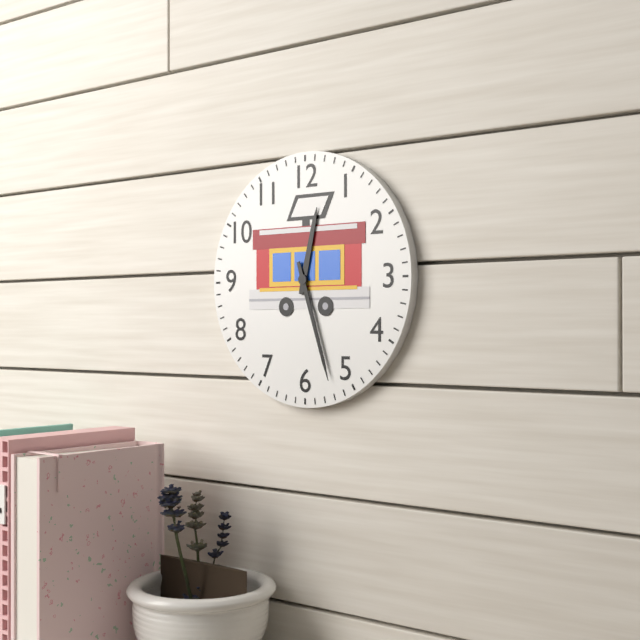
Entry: h=12 m=27
